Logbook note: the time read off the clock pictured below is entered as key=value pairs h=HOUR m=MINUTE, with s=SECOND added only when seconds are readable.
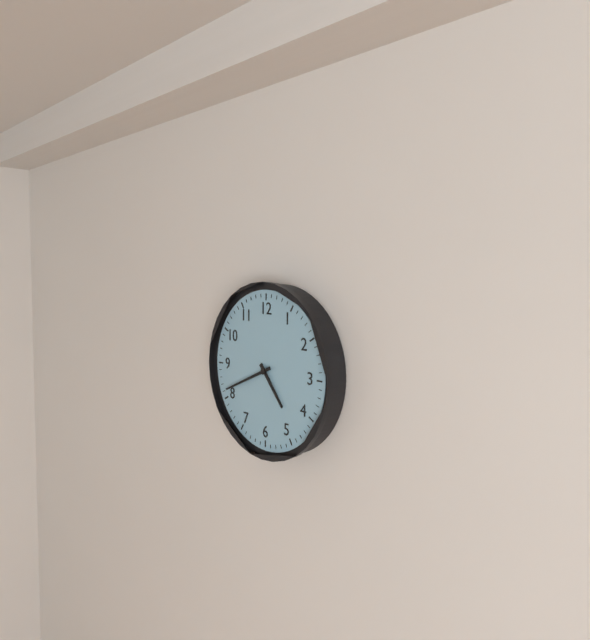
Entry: h=4 m=41
